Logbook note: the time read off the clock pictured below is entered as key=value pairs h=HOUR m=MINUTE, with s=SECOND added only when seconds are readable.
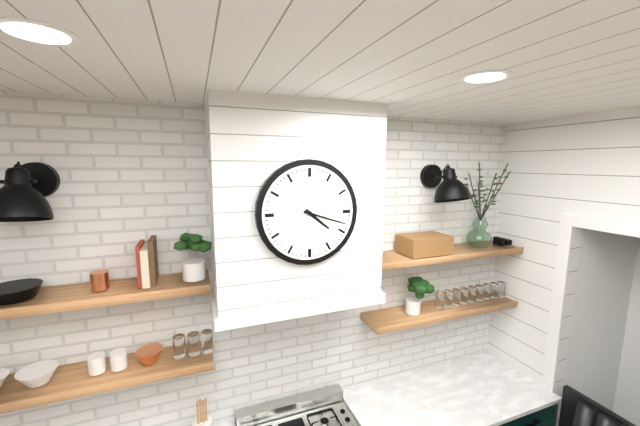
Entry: h=4 m=18
